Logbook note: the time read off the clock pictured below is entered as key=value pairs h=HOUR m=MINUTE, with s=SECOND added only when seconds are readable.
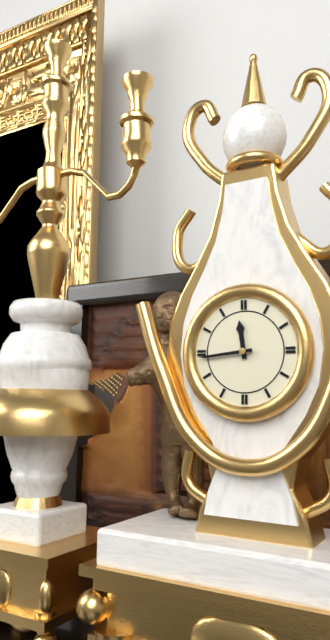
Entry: h=11 m=44
